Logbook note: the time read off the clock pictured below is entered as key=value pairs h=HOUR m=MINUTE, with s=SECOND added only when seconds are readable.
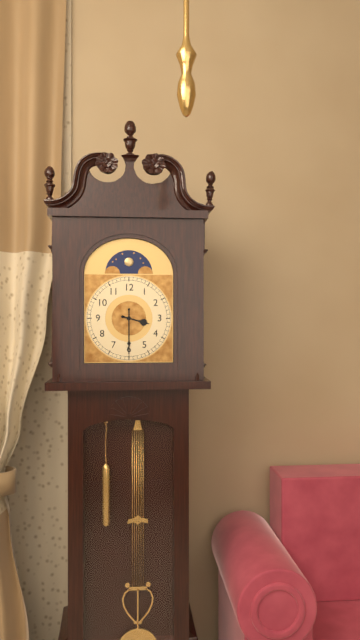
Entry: h=3 m=30
